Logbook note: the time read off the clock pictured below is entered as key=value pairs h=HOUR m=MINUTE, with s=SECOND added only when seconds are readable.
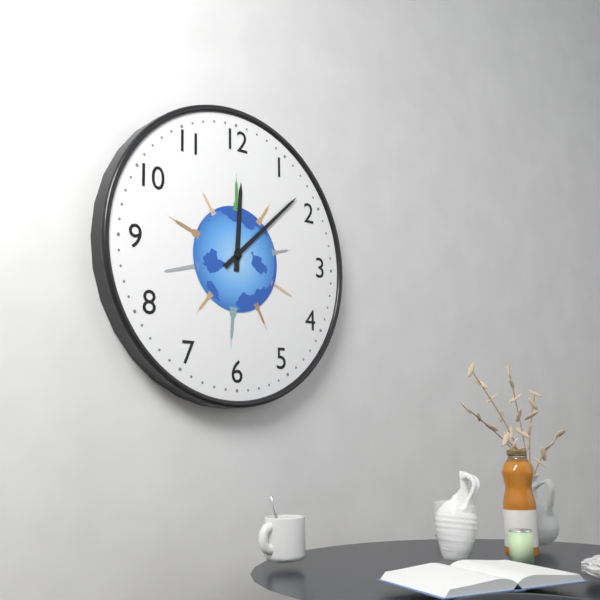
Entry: h=12 m=8
